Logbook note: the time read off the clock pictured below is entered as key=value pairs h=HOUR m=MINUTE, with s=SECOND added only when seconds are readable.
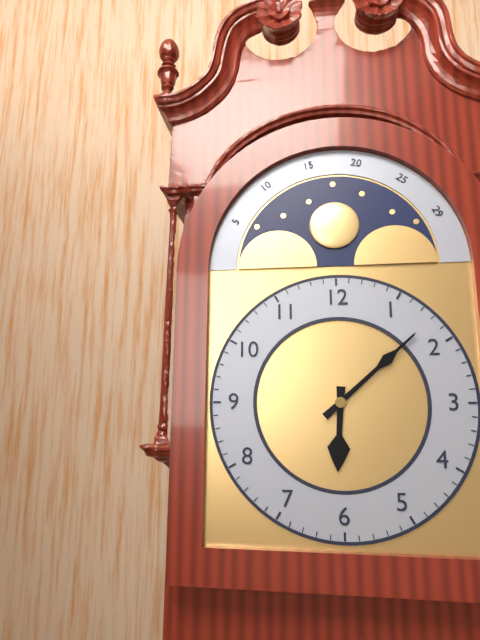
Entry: h=6 m=8
